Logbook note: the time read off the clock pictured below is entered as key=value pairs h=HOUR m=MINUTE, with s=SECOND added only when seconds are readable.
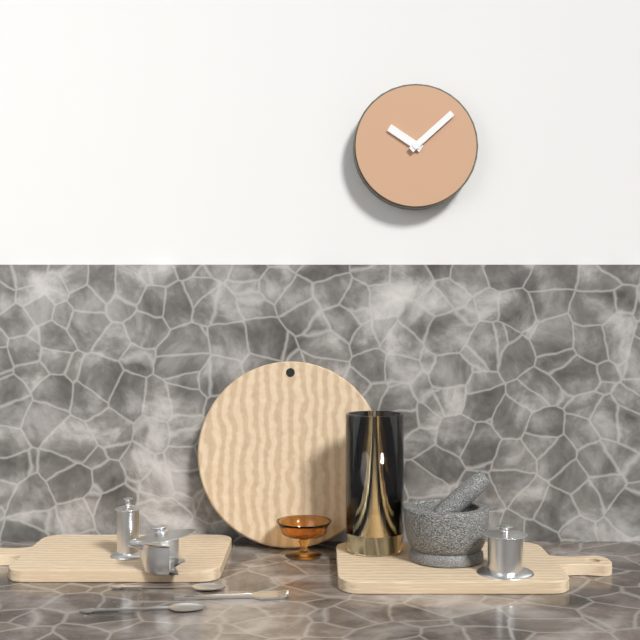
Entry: h=10 m=8
